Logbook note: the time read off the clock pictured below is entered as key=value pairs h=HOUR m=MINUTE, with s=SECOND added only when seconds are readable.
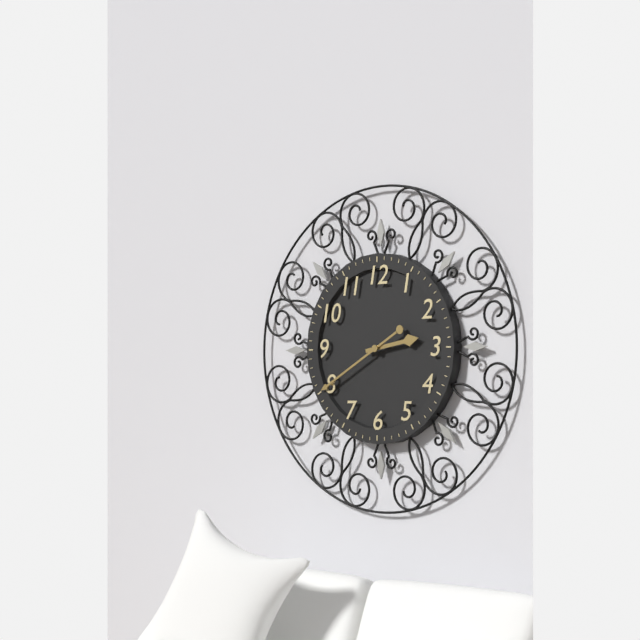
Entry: h=2 m=40
